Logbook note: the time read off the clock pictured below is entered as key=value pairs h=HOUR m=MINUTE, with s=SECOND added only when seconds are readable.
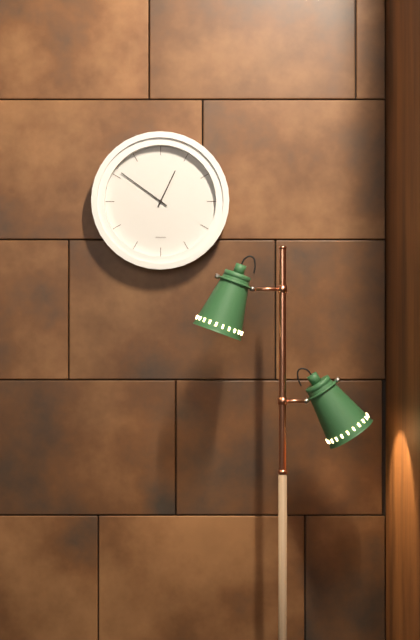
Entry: h=12 m=51
